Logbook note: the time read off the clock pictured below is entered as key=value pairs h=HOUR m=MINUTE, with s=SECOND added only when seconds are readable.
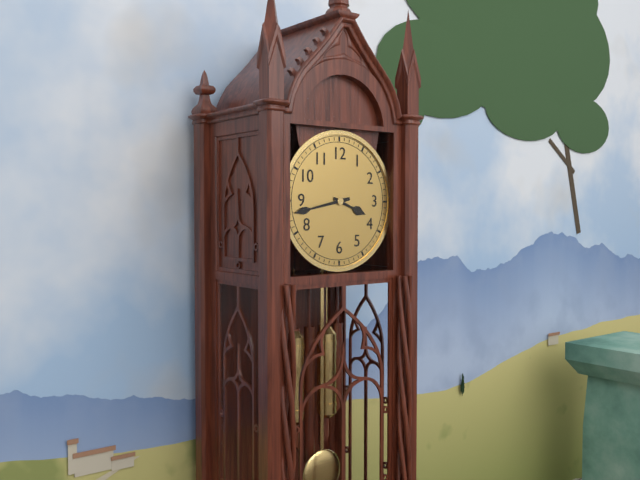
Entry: h=3 m=43
